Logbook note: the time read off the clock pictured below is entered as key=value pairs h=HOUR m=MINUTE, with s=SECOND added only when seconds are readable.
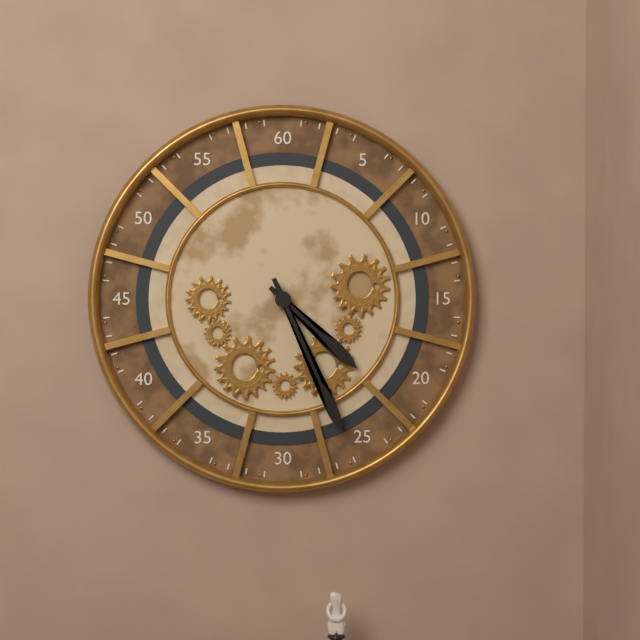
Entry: h=4 m=26
